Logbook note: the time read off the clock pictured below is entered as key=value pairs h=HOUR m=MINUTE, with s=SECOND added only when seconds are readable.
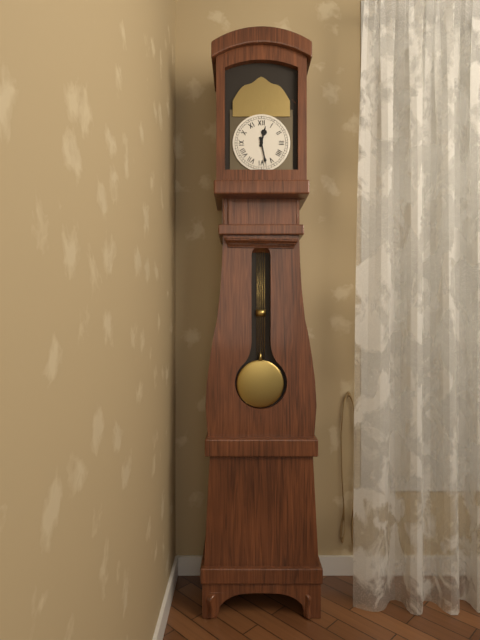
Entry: h=12 m=28
